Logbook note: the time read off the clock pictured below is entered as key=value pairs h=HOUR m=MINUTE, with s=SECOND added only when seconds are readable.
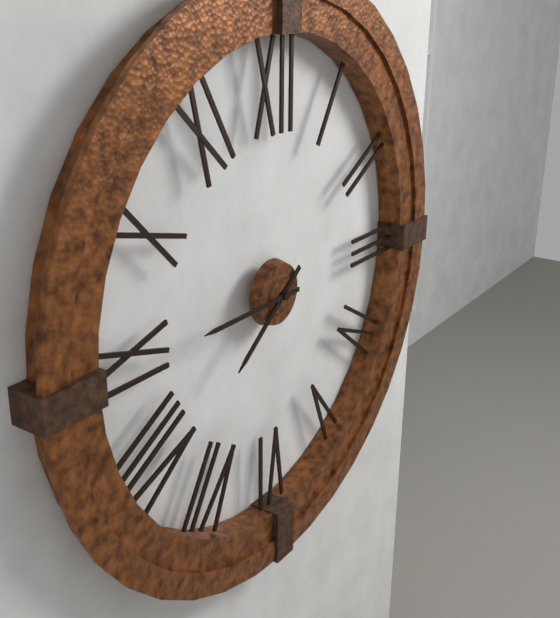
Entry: h=7 m=45
